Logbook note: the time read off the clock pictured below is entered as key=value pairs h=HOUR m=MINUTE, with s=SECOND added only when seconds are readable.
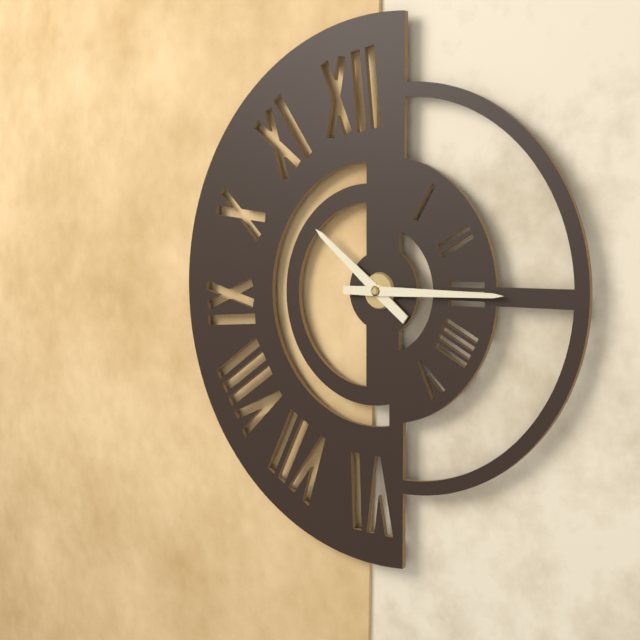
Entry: h=10 m=15
